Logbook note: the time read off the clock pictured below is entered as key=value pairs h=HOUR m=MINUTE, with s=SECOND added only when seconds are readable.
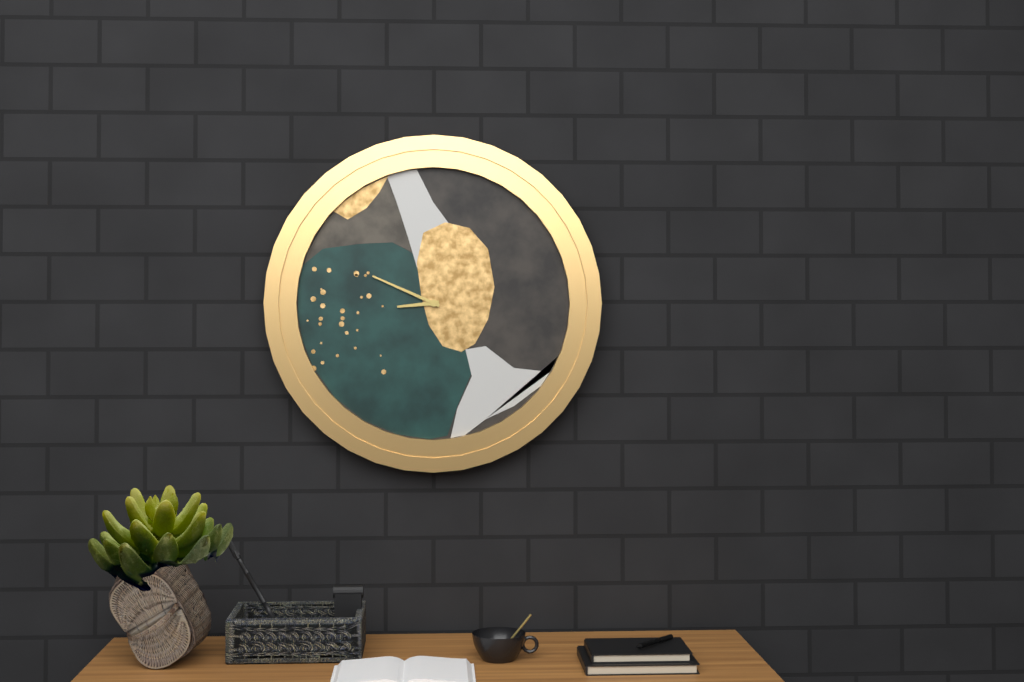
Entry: h=8 m=49
